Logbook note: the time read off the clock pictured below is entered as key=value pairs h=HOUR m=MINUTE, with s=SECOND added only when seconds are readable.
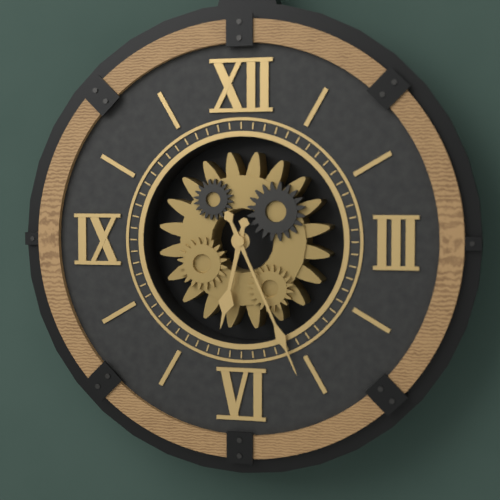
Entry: h=6 m=26
